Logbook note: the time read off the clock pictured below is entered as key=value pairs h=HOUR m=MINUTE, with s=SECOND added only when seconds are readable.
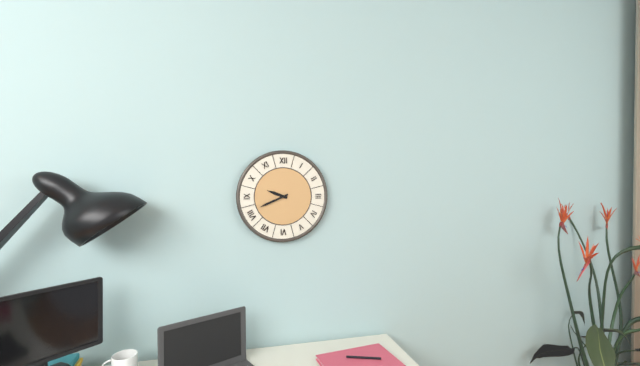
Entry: h=9 m=41
